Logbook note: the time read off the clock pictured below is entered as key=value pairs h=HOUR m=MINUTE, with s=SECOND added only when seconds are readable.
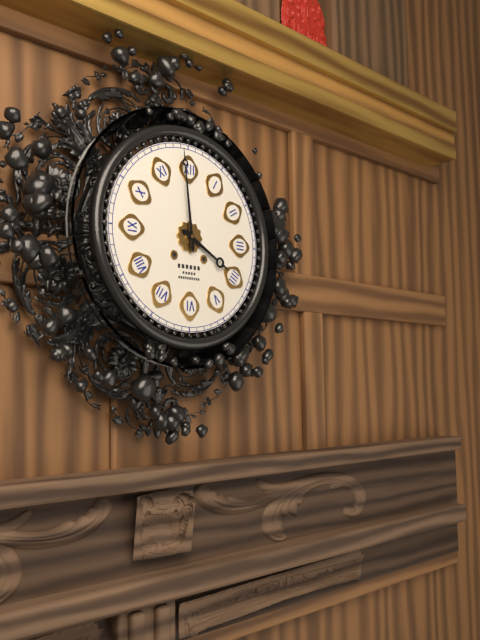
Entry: h=3 m=59
